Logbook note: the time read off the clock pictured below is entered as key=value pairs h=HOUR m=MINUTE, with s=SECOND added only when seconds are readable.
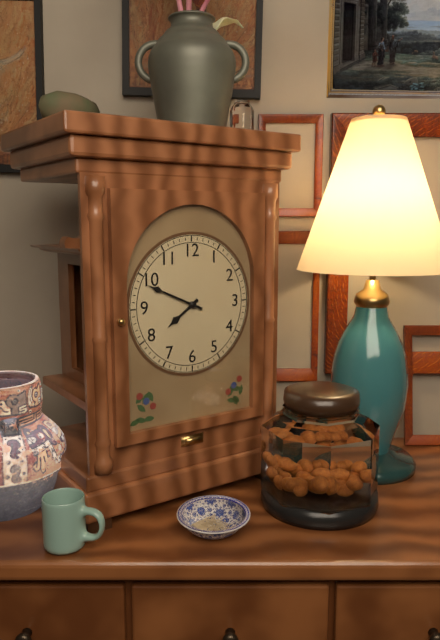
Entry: h=7 m=49
